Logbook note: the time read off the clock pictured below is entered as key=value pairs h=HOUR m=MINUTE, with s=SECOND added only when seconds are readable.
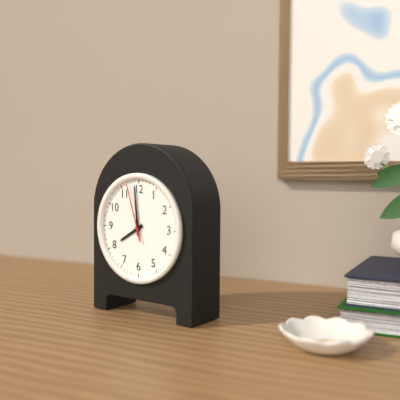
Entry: h=7 m=59 s=57
